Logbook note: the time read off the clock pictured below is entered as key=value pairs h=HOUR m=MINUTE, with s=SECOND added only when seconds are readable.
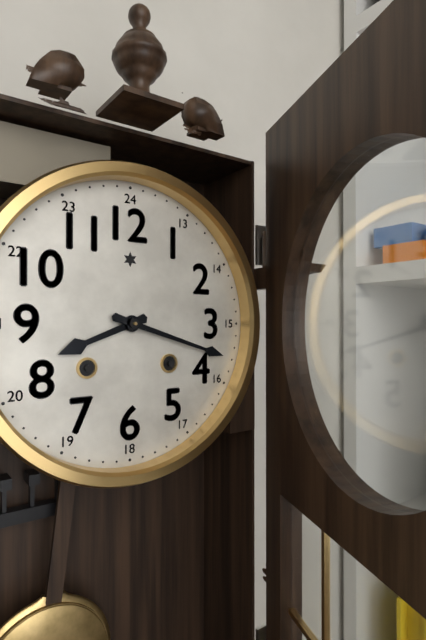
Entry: h=8 m=18
